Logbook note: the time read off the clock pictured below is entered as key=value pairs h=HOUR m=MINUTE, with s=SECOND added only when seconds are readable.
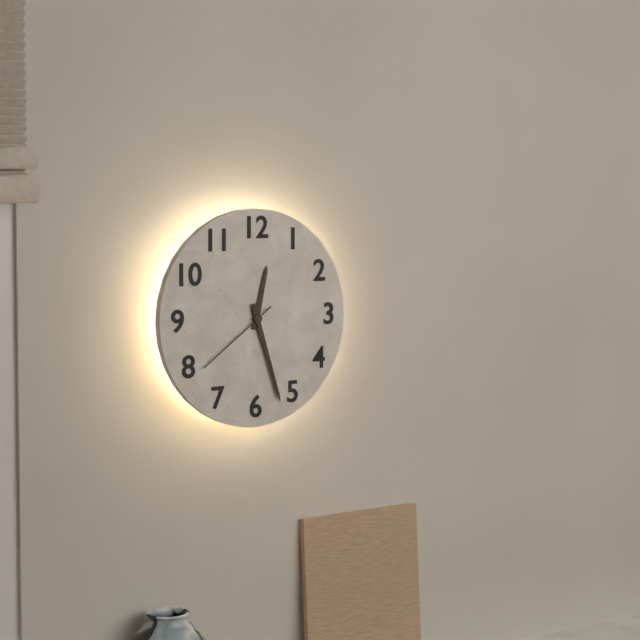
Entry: h=12 m=27 s=39
